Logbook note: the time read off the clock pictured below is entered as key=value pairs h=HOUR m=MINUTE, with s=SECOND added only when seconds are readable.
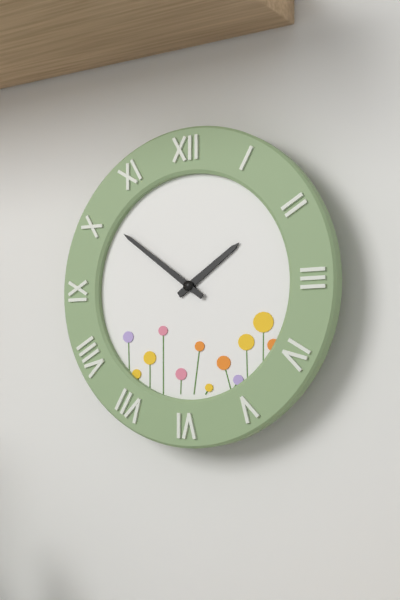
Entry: h=1 m=51
